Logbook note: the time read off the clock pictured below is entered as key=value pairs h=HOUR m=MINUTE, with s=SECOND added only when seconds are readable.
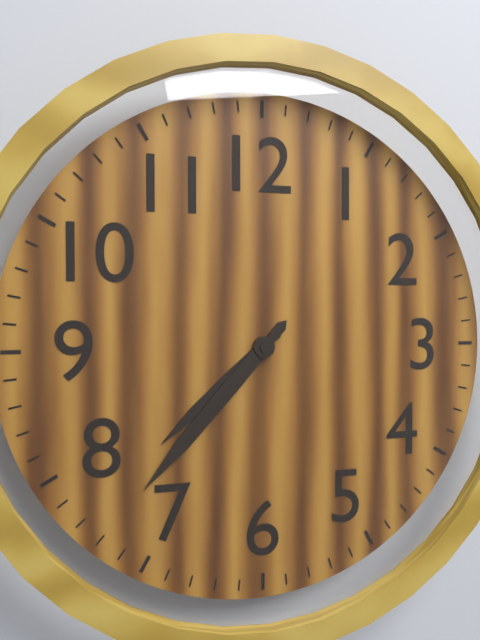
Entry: h=7 m=37
